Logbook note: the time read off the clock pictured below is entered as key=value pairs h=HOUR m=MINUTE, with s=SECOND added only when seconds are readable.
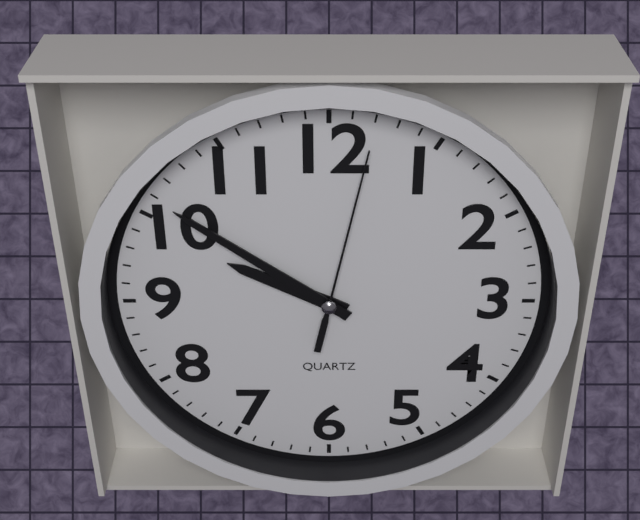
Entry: h=9 m=51 s=2
